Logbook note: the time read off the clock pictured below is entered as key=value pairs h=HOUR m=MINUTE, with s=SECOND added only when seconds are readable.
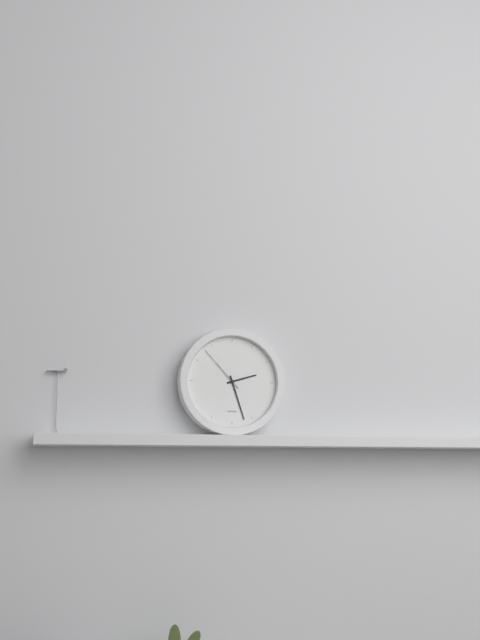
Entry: h=2 m=27 s=53
